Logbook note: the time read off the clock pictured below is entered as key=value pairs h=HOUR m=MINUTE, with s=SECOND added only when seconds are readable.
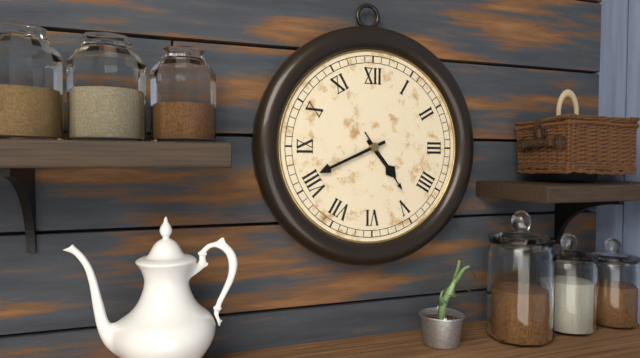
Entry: h=4 m=41 s=24
